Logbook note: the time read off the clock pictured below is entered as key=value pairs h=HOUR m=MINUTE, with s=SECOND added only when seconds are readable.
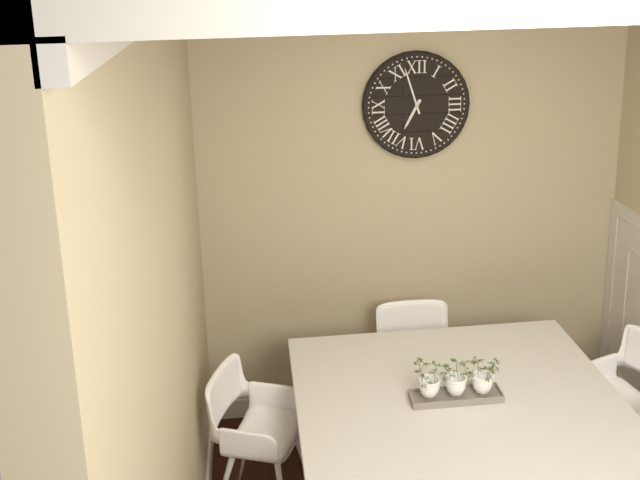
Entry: h=6 m=57
